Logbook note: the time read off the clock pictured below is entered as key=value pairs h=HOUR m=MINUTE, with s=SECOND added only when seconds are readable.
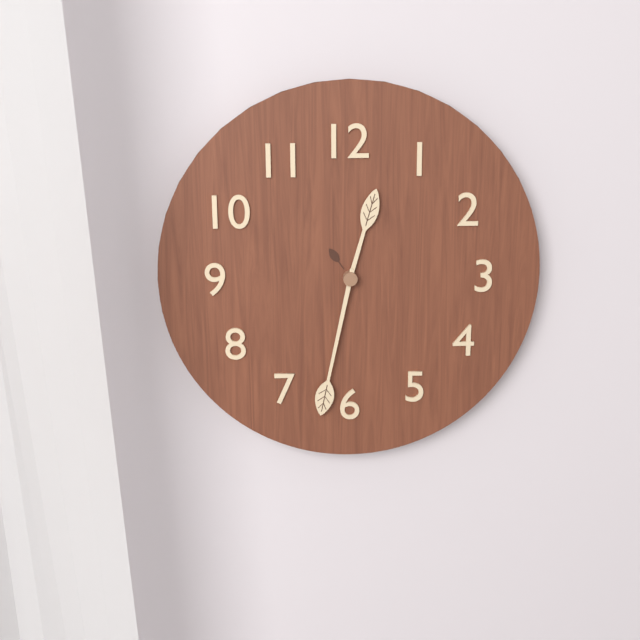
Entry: h=12 m=32
